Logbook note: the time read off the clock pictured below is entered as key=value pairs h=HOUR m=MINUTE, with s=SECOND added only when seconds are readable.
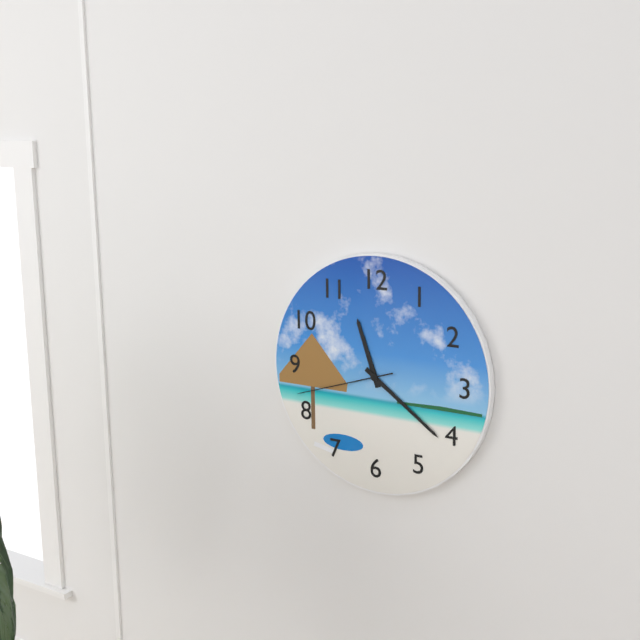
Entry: h=11 m=21 s=42
